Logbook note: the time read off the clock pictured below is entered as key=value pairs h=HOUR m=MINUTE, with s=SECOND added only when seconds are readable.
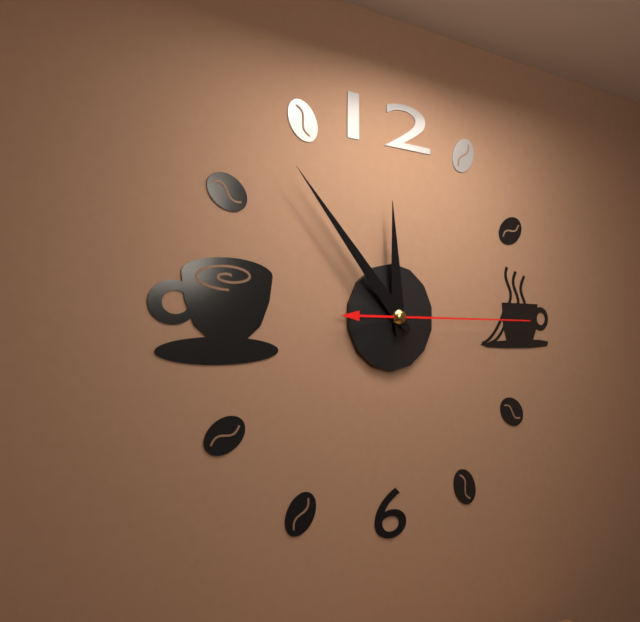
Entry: h=11 m=53 s=15
